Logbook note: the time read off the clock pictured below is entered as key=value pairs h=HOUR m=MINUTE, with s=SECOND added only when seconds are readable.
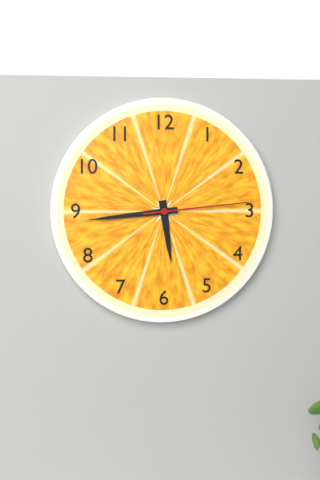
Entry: h=5 m=44 s=14
